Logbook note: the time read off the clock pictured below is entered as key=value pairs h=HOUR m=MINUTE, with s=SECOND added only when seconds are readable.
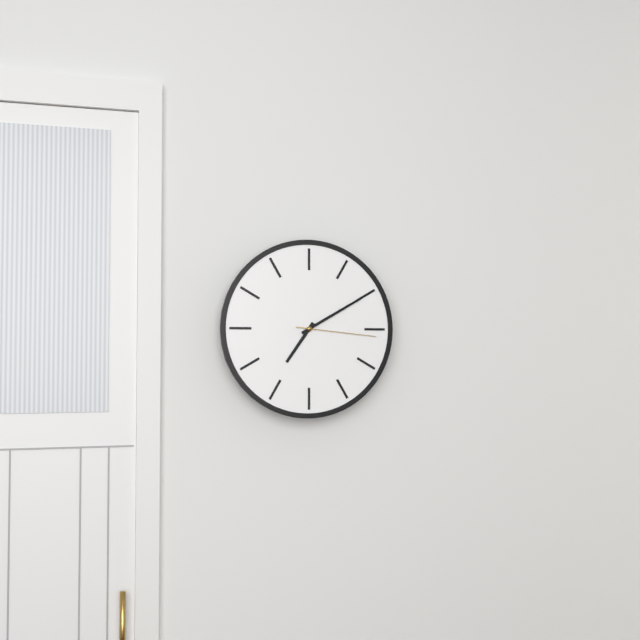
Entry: h=7 m=10 s=16
